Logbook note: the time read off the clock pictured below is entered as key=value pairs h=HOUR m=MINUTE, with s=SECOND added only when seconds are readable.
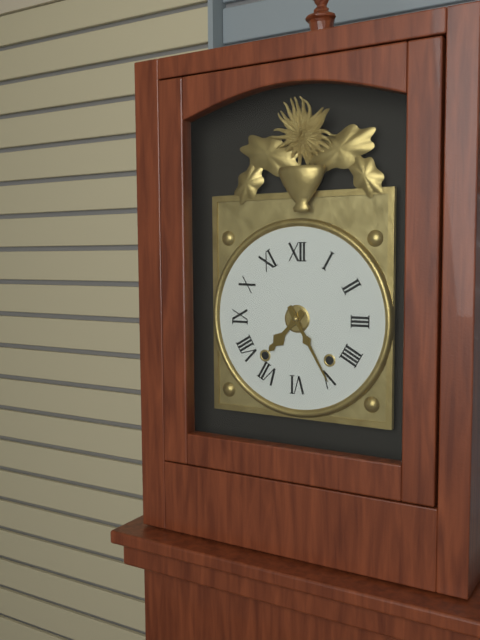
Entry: h=7 m=25
